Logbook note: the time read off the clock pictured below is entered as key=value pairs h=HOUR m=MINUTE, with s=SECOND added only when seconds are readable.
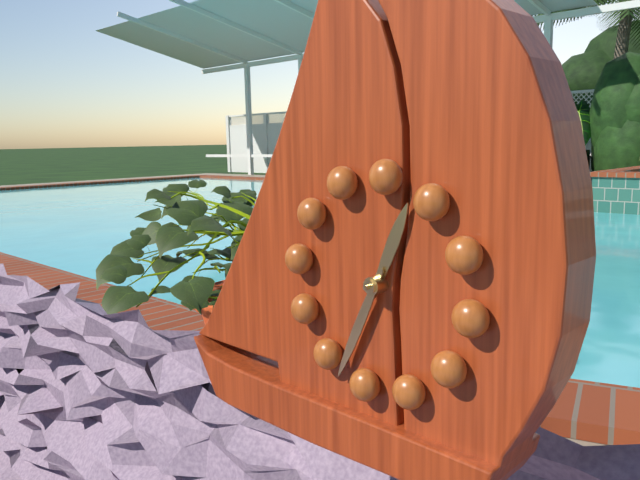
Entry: h=12 m=33
